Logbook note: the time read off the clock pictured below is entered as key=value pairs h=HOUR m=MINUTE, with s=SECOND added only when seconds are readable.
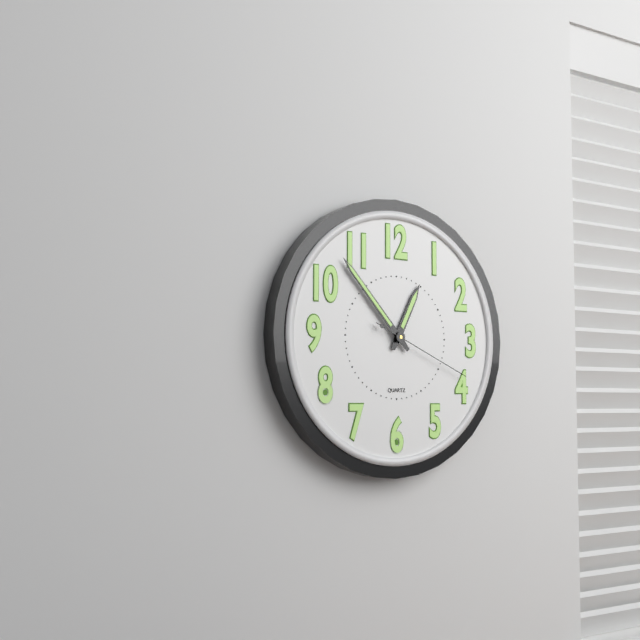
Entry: h=12 m=53 s=19
